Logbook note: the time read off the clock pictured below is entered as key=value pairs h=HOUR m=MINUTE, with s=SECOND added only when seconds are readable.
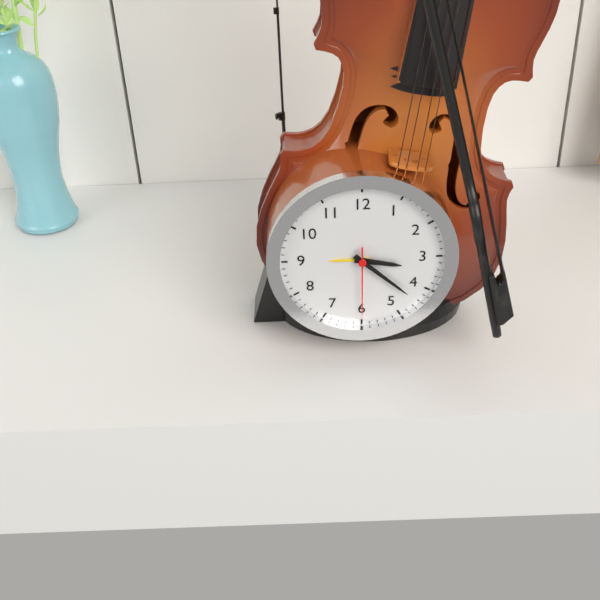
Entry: h=3 m=22 s=30
